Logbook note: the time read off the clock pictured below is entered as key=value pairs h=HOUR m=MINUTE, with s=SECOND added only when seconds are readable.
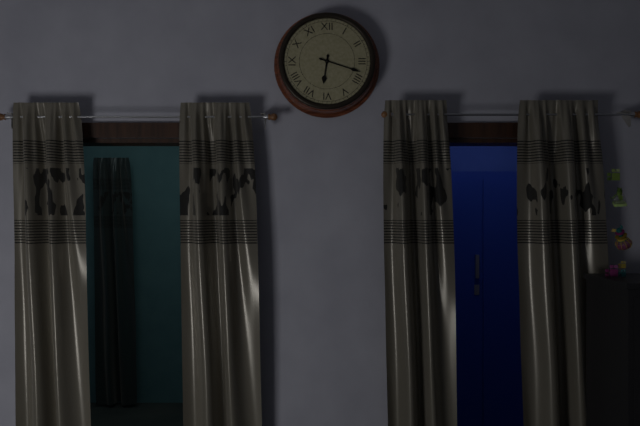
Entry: h=6 m=18
